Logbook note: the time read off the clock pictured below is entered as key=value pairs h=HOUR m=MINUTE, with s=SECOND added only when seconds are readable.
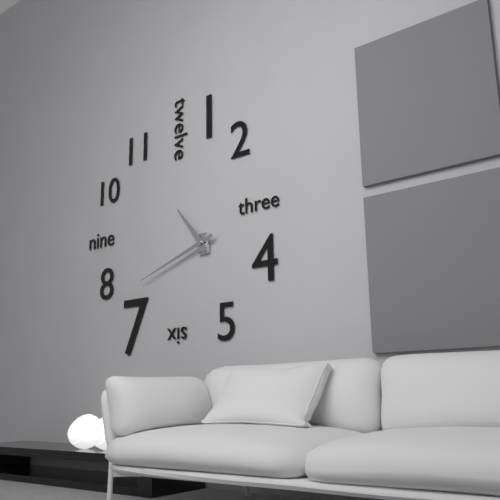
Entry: h=10 m=42
